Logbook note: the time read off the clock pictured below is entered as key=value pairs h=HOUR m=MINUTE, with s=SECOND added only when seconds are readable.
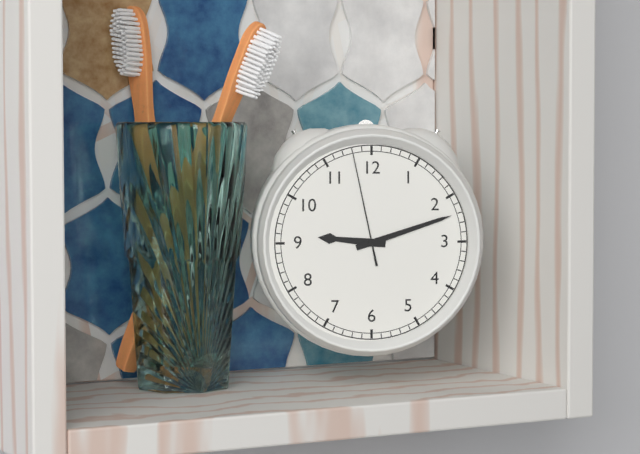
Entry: h=9 m=12 s=58
